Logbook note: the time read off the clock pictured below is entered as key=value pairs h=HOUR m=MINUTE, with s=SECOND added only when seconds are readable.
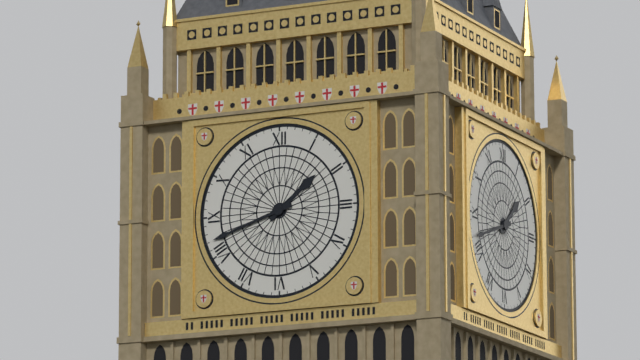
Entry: h=1 m=42
